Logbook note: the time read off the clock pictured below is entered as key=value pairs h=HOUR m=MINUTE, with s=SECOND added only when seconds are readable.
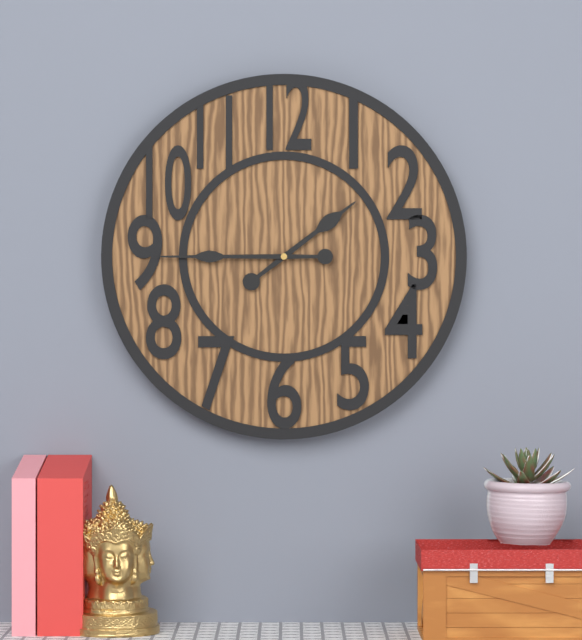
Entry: h=1 m=45
